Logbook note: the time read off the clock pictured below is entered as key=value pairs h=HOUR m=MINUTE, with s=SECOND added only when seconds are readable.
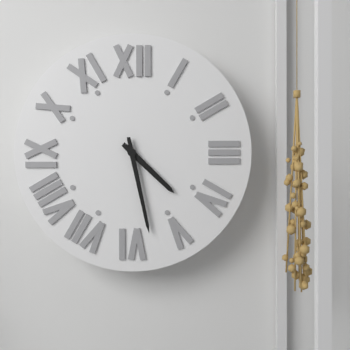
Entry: h=4 m=28
